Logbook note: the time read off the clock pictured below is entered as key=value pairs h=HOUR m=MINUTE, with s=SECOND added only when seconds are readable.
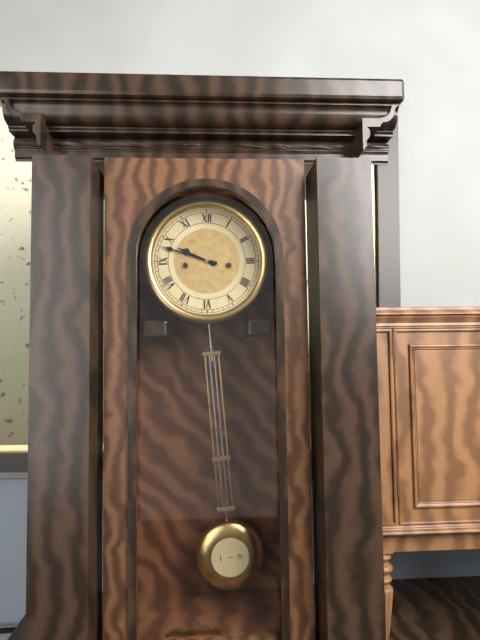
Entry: h=9 m=48
